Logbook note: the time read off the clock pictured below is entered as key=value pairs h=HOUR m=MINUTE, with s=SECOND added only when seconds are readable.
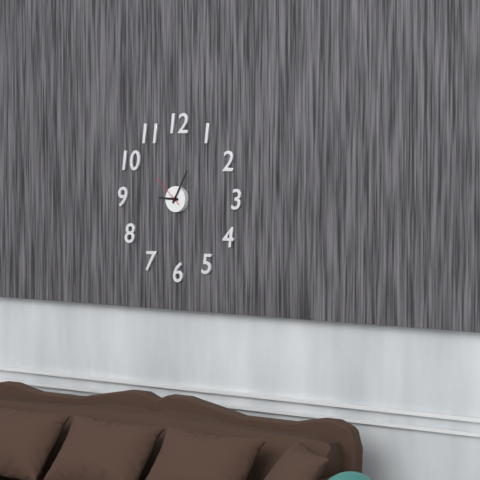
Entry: h=9 m=5
